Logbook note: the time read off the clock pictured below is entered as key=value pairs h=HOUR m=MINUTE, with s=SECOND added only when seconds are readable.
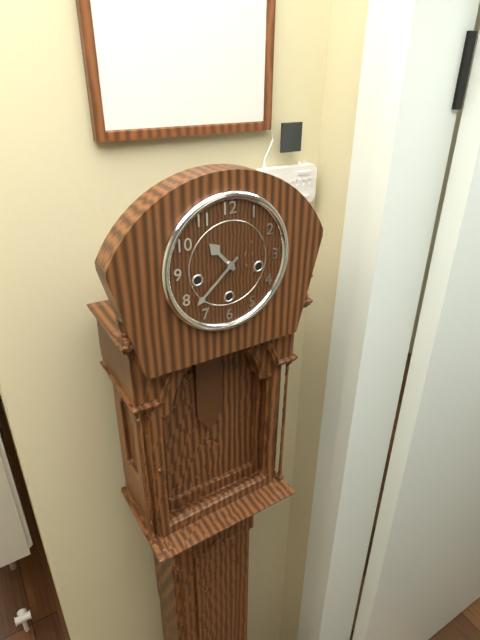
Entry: h=10 m=38
